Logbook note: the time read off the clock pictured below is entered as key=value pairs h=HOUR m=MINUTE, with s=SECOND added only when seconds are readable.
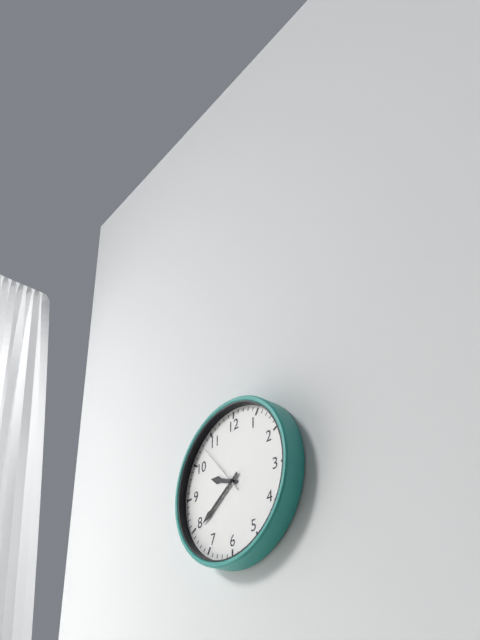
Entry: h=9 m=39 s=53
